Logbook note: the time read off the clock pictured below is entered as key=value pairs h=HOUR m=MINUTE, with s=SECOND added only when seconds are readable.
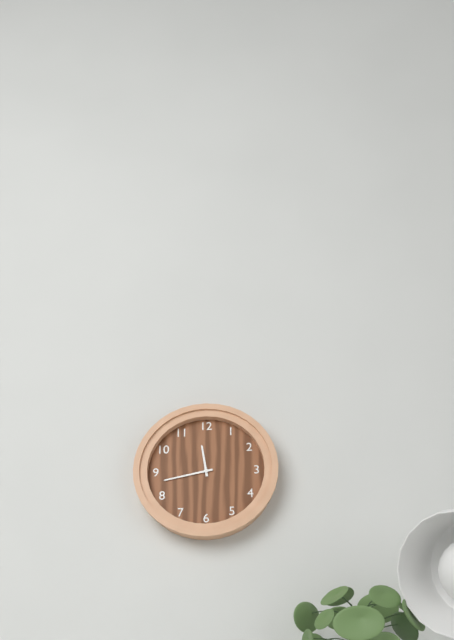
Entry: h=11 m=43
